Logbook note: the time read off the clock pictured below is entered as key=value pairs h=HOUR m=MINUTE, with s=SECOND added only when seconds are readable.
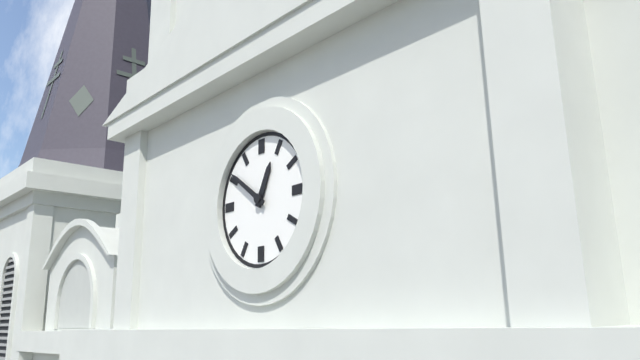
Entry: h=12 m=51
